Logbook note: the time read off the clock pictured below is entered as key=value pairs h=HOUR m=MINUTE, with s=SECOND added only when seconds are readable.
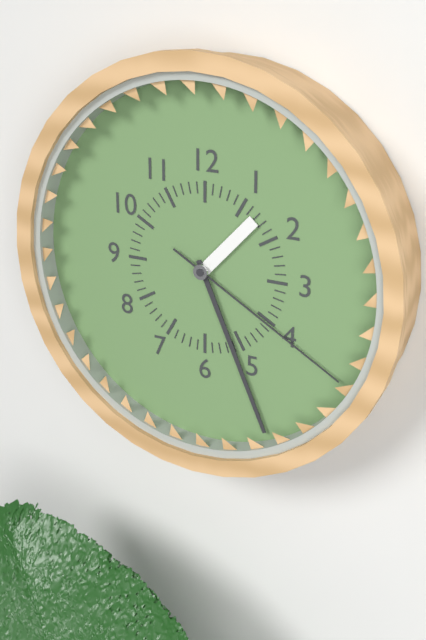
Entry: h=1 m=26 s=20
